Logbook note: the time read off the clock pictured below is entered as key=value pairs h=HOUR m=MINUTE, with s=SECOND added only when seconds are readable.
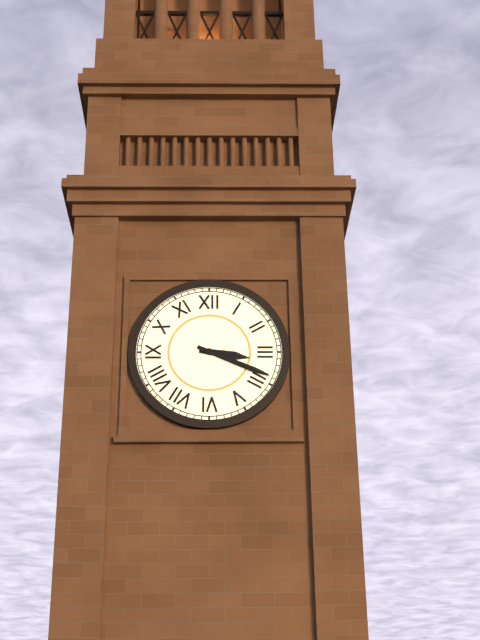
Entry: h=3 m=19
